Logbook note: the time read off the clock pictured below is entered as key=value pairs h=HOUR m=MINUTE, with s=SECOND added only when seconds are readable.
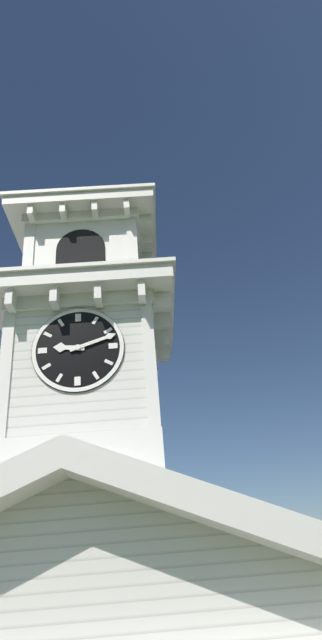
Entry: h=9 m=12
